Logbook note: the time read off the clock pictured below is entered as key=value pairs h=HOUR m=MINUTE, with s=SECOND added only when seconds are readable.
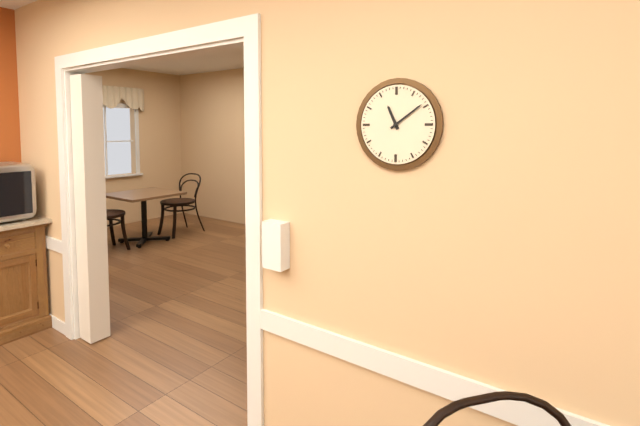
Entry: h=11 m=9
